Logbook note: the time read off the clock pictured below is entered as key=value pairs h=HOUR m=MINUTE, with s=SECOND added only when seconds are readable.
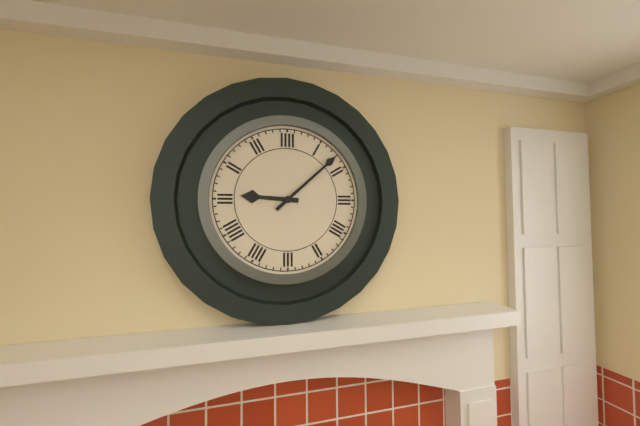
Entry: h=9 m=8
